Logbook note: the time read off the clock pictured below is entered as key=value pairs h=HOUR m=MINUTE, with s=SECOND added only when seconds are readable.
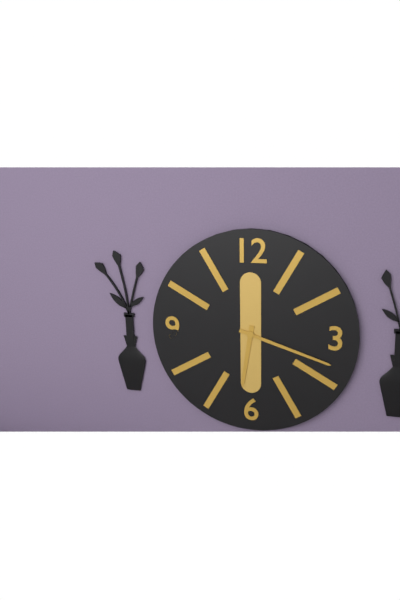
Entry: h=6 m=18
